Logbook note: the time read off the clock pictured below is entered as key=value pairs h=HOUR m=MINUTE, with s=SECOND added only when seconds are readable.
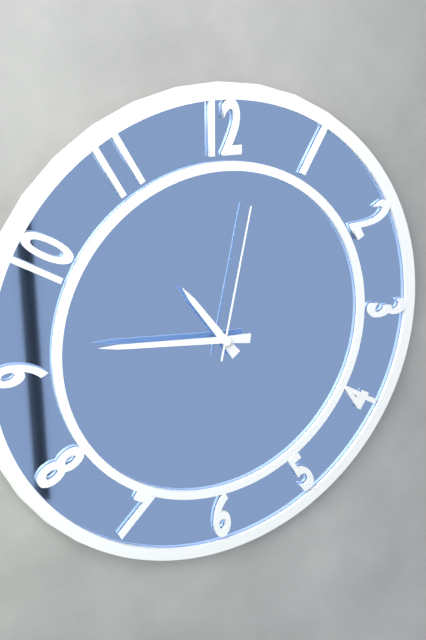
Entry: h=10 m=46 s=2
